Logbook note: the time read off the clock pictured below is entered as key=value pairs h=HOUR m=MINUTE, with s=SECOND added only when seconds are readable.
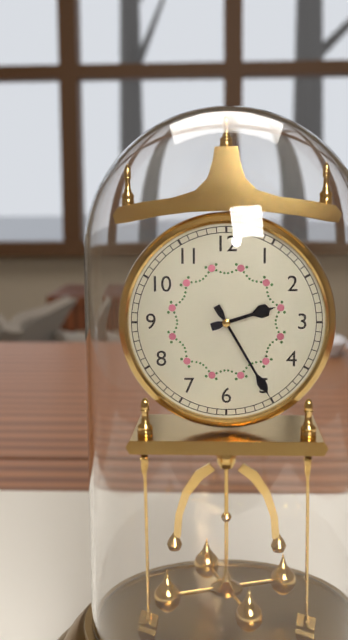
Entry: h=2 m=25
